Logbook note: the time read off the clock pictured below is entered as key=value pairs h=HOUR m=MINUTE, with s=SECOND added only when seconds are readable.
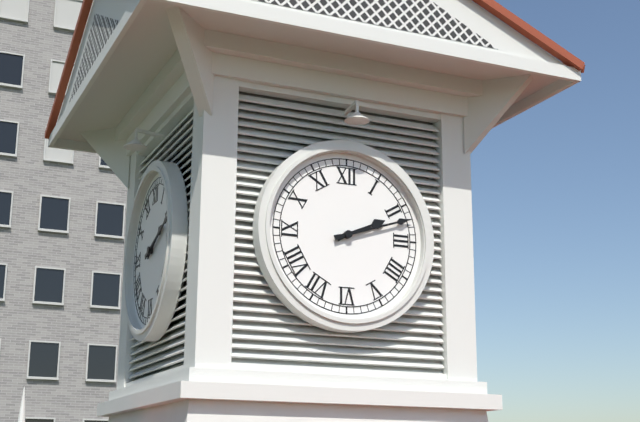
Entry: h=2 m=12
